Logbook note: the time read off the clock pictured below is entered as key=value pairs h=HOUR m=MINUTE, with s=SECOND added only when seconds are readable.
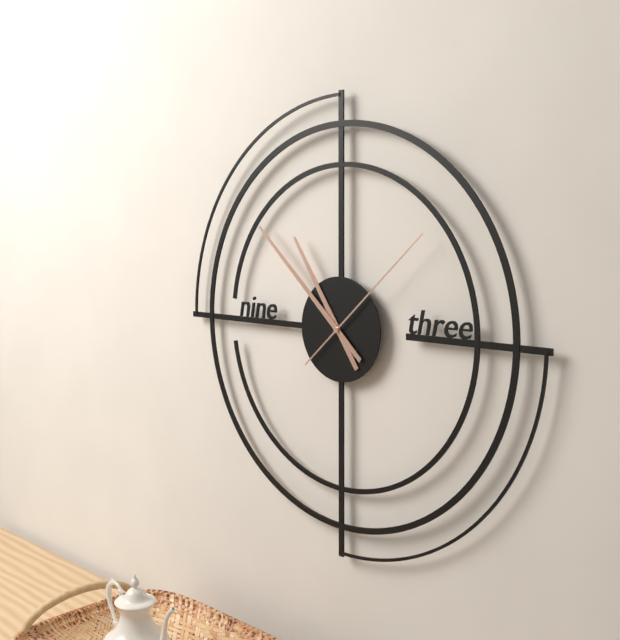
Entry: h=10 m=52 s=8
